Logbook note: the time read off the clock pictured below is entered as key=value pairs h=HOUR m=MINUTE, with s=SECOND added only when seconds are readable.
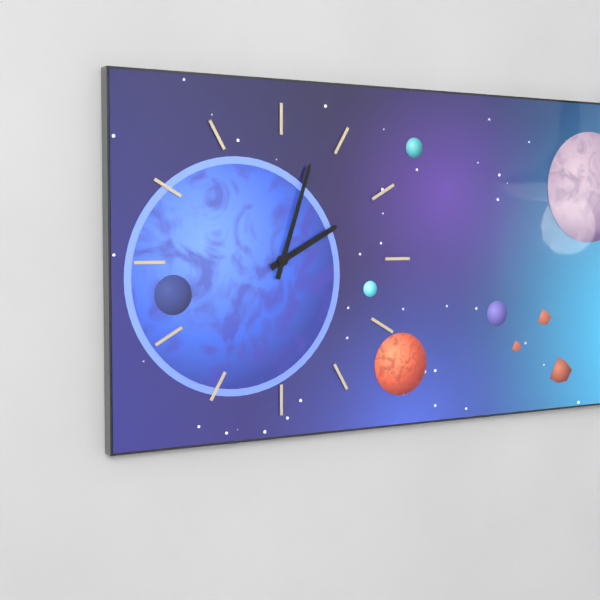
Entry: h=2 m=3
